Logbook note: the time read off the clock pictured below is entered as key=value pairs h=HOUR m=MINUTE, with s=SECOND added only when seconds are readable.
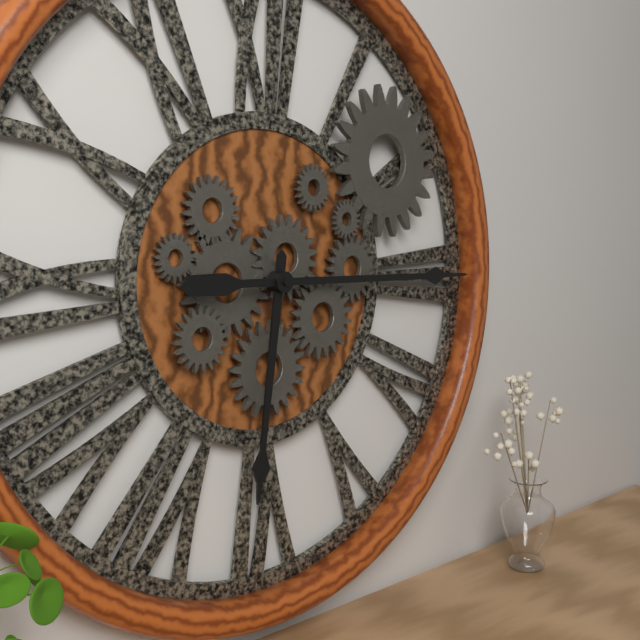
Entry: h=6 m=15
